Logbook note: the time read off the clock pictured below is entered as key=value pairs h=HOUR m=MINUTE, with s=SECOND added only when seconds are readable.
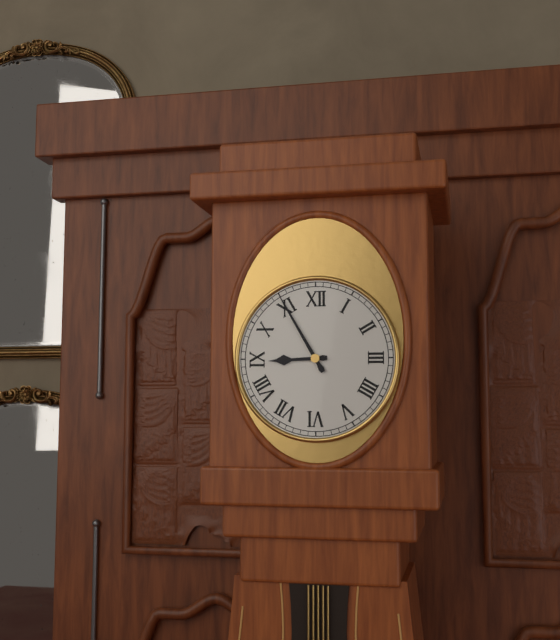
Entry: h=8 m=55
